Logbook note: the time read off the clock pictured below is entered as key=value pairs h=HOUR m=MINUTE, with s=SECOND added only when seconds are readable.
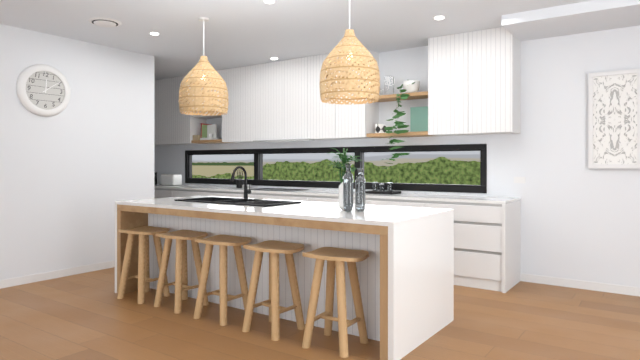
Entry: h=12 m=9
